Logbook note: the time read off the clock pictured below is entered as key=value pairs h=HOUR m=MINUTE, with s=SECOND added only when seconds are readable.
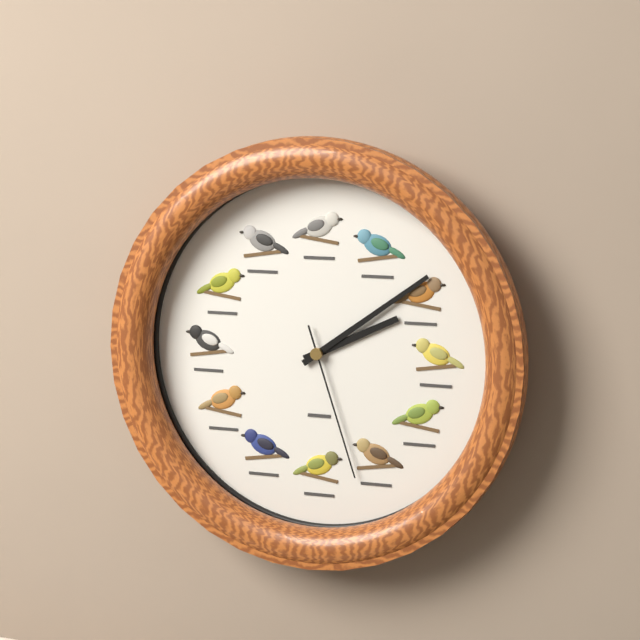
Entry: h=2 m=9 s=27
